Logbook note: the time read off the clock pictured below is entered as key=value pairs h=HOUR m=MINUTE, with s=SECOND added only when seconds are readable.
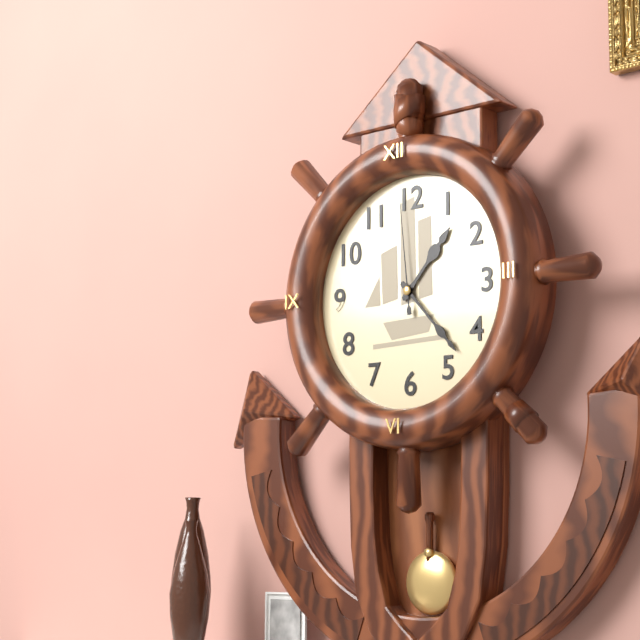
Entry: h=1 m=23 s=59
